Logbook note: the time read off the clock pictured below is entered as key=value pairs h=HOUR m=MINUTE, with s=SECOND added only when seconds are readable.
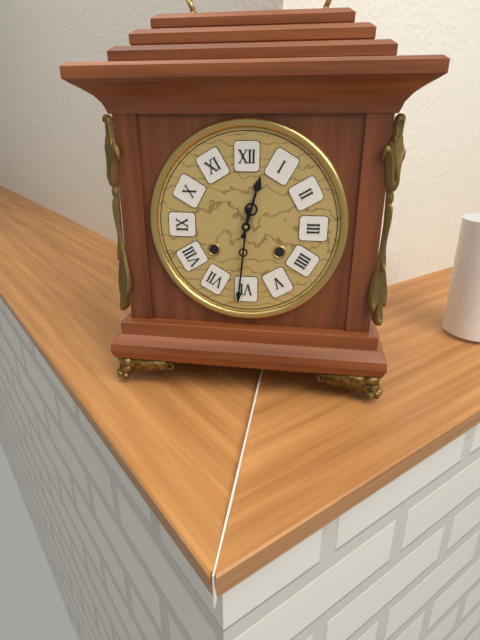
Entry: h=12 m=31
